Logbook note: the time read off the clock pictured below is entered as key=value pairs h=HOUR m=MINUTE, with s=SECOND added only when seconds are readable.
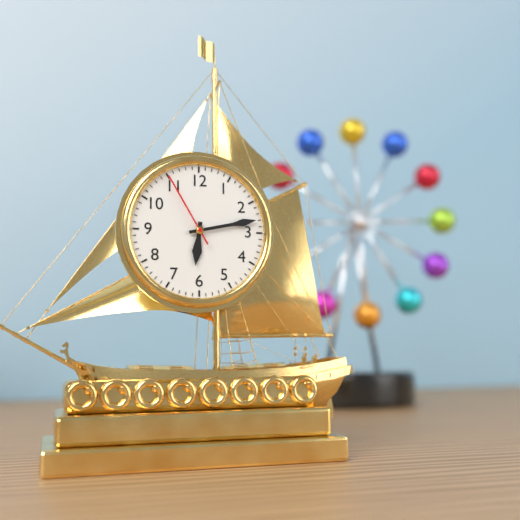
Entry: h=6 m=13 s=55
